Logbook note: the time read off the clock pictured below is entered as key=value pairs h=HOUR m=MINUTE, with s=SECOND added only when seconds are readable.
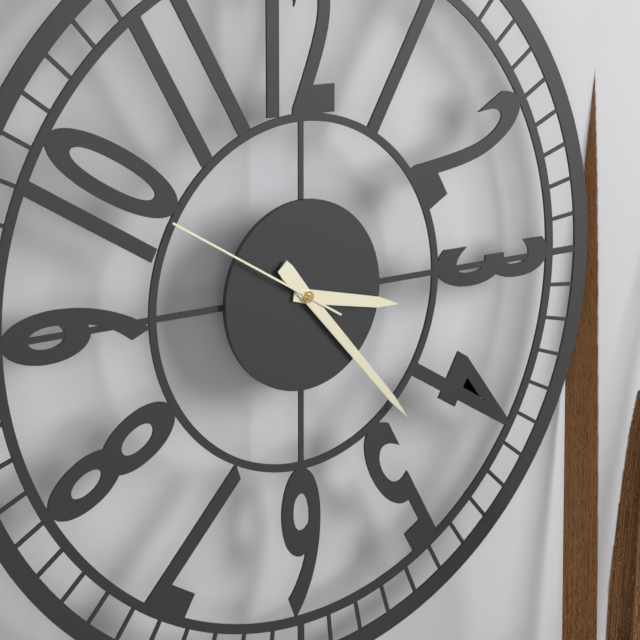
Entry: h=3 m=23 s=50
